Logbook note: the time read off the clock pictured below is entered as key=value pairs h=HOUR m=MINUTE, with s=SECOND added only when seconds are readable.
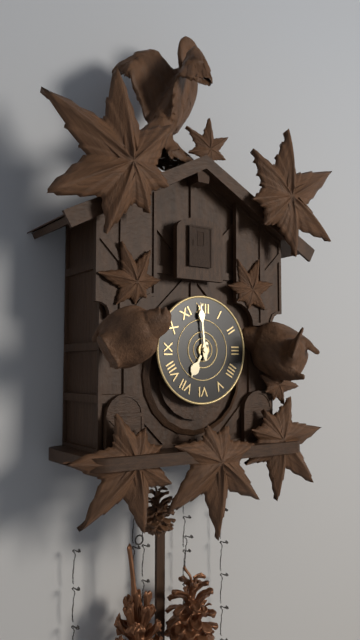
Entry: h=6 m=59
